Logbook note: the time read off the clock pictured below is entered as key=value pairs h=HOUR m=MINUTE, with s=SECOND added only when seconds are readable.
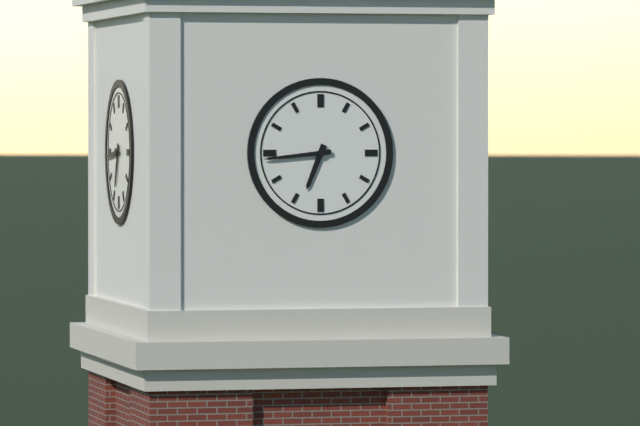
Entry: h=6 m=44
